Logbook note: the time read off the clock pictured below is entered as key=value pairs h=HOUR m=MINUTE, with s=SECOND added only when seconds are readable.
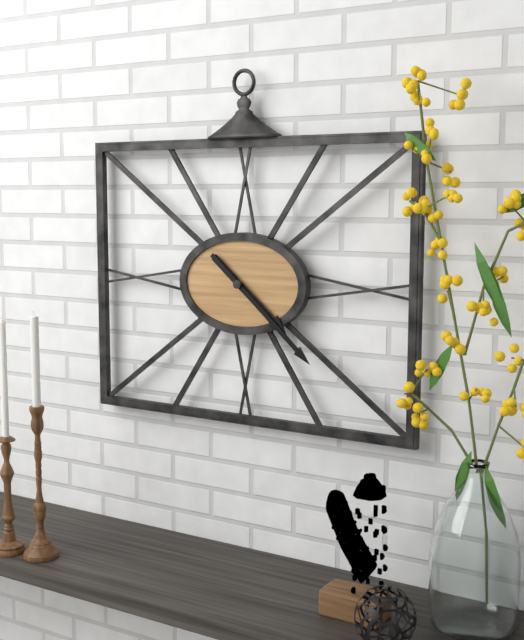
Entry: h=4 m=22
